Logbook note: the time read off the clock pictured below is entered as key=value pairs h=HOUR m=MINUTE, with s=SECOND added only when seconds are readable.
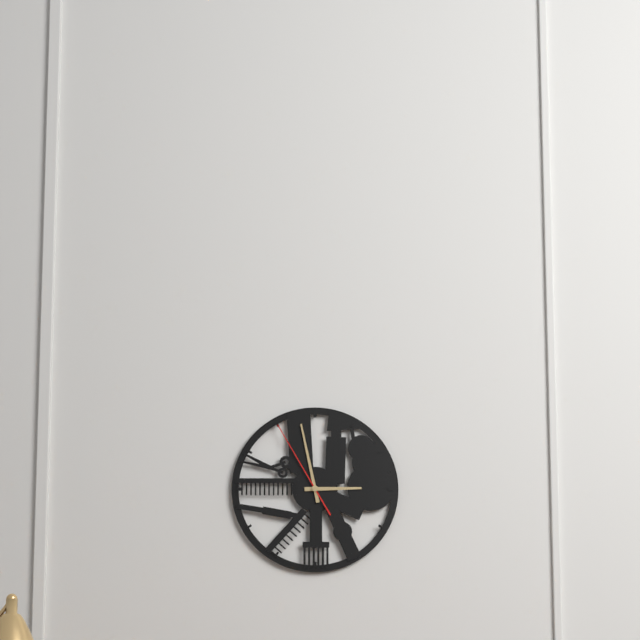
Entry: h=2 m=58 s=55
